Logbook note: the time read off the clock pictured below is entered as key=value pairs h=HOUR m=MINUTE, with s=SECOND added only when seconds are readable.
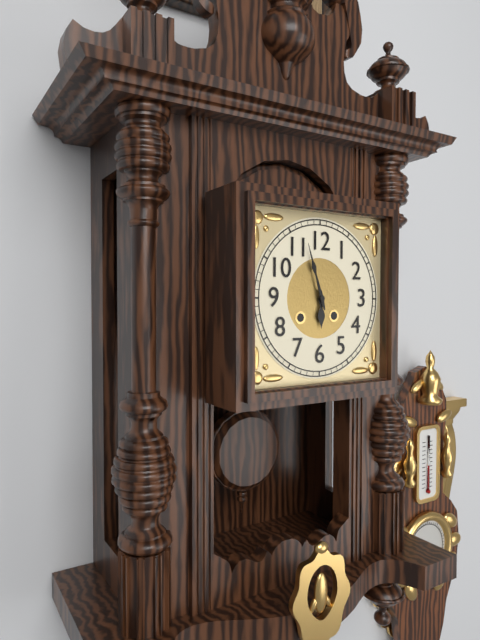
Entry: h=5 m=57
